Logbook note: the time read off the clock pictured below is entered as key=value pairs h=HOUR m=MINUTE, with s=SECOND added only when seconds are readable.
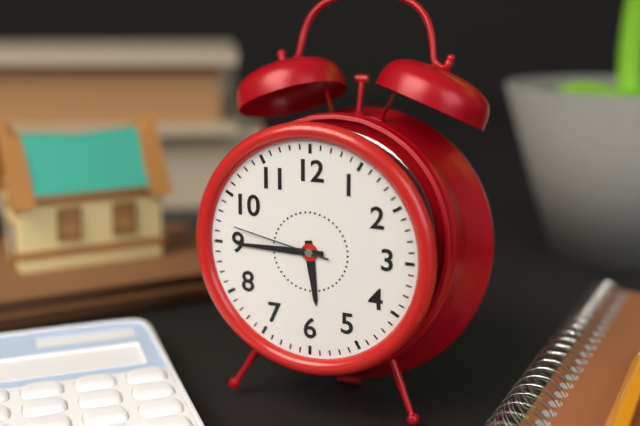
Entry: h=5 m=45 s=47
